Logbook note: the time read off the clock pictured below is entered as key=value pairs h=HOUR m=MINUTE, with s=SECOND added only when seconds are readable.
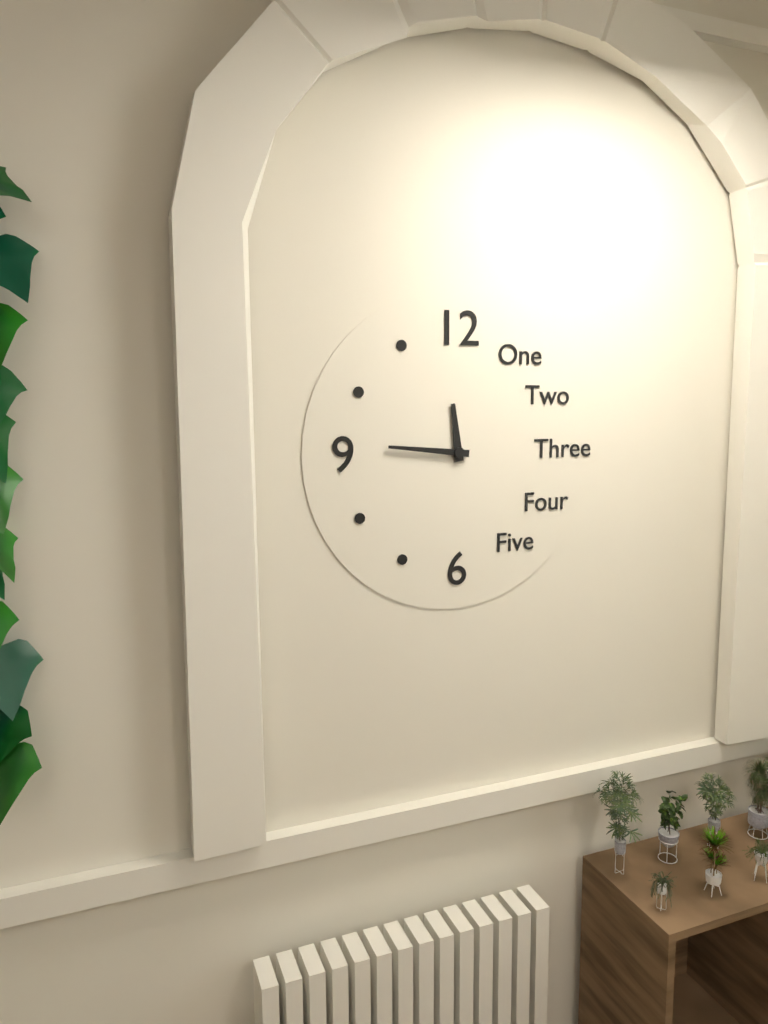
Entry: h=11 m=46
